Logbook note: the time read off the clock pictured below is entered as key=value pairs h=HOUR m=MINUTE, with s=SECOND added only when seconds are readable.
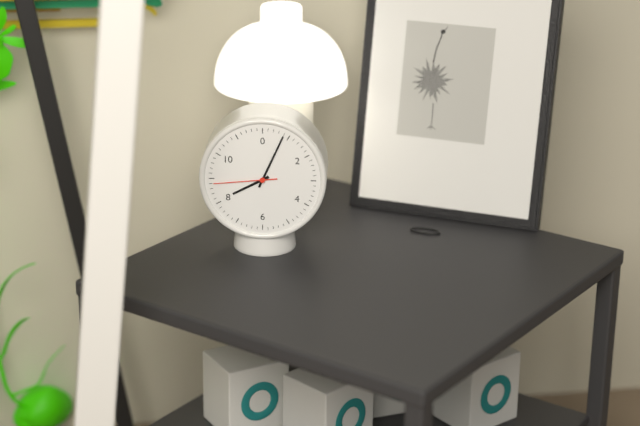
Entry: h=8 m=4 s=44
